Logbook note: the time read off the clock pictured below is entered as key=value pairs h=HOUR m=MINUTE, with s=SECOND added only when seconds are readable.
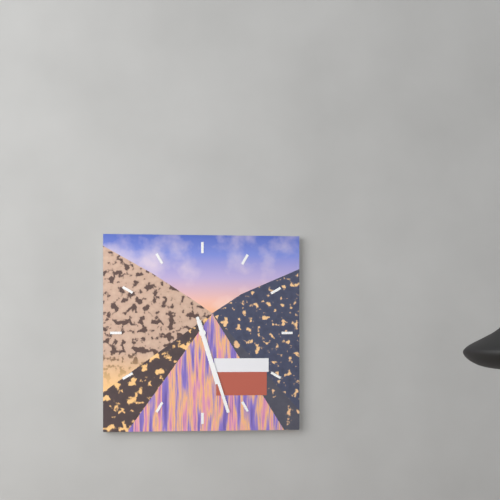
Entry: h=5 m=27
